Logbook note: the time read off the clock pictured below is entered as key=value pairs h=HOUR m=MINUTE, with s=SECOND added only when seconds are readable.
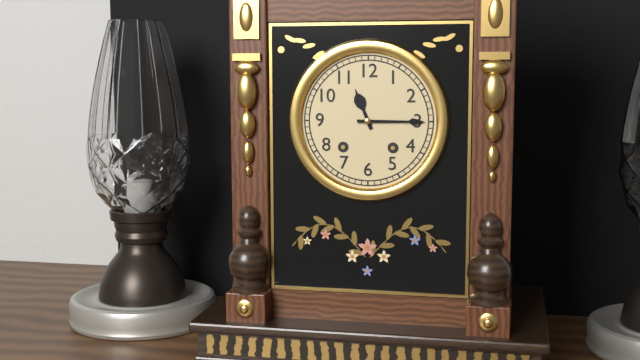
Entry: h=11 m=15
